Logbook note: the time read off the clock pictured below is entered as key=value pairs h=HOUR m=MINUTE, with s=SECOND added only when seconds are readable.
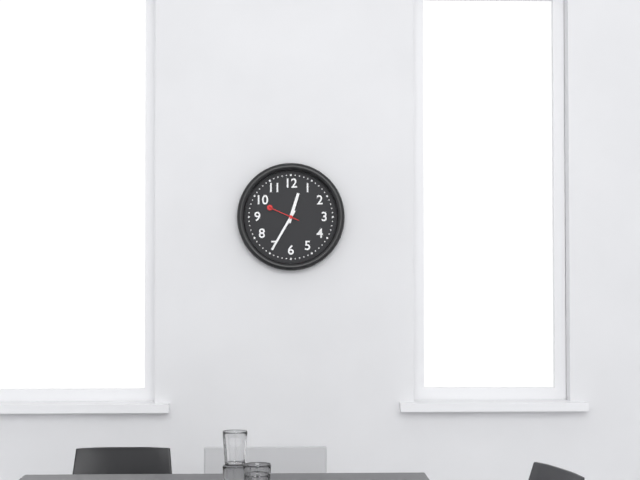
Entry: h=12 m=35
